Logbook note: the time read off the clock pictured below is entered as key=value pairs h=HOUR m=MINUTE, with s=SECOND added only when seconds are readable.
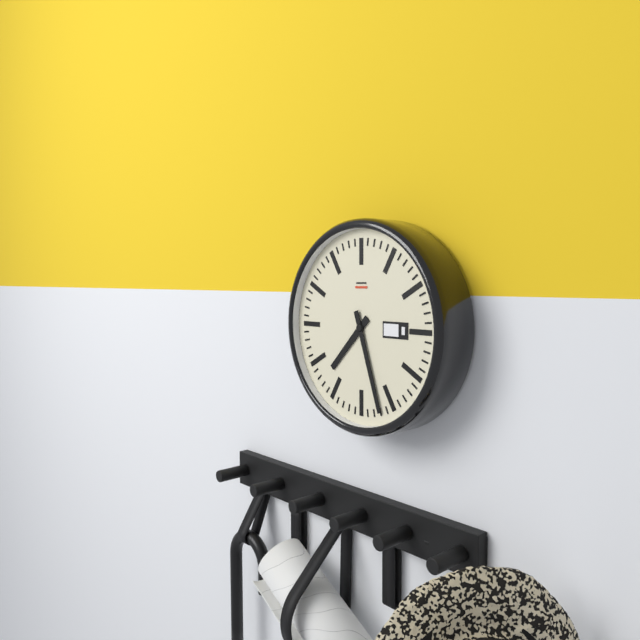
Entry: h=7 m=27
